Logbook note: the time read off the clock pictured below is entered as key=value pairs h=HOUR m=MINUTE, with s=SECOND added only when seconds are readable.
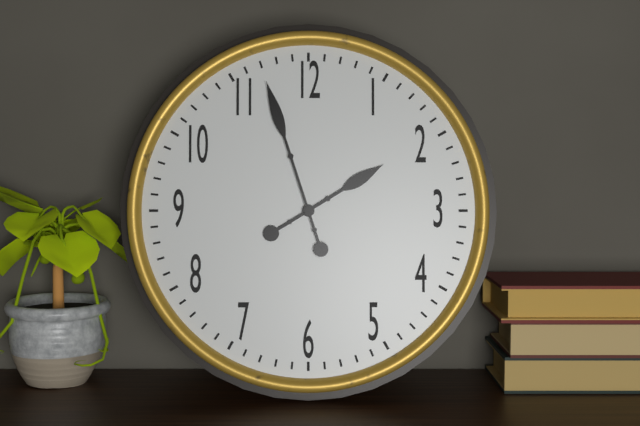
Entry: h=1 m=57
